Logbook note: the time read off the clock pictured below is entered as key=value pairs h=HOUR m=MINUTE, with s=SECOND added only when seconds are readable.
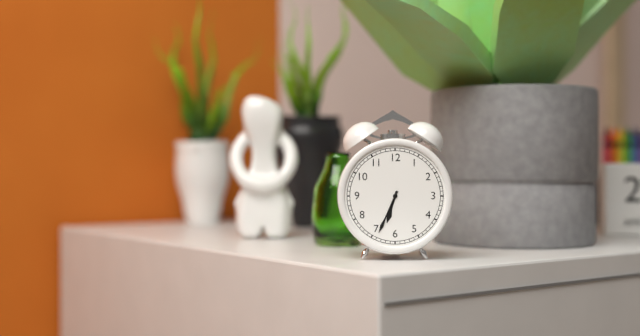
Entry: h=6 m=34
